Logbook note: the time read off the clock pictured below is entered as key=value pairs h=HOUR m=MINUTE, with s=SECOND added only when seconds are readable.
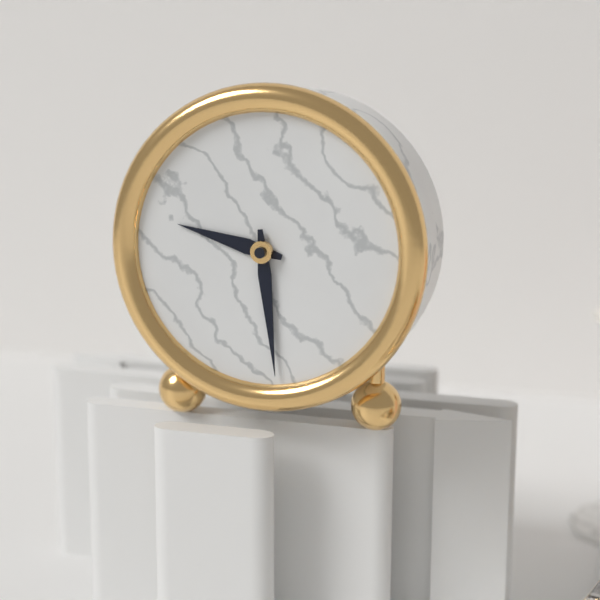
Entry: h=9 m=29
